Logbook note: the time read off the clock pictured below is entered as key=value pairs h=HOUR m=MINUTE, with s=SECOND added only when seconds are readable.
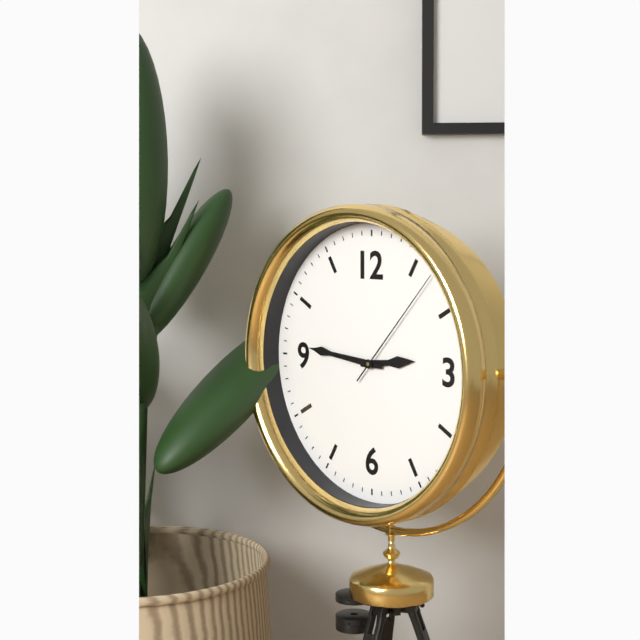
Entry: h=2 m=46 s=7
